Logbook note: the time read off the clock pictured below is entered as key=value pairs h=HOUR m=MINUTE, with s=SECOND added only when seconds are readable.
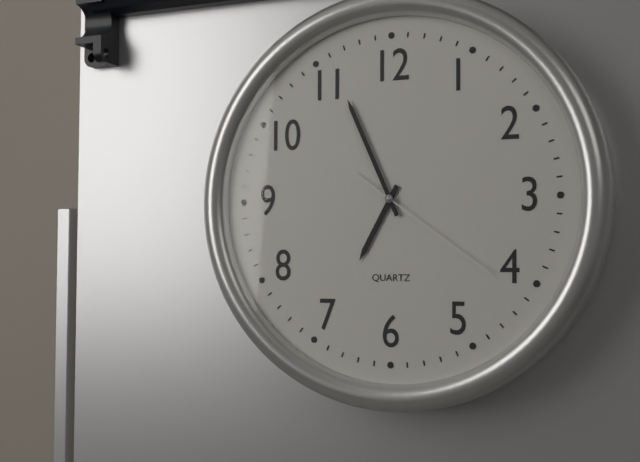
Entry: h=6 m=56 s=21
